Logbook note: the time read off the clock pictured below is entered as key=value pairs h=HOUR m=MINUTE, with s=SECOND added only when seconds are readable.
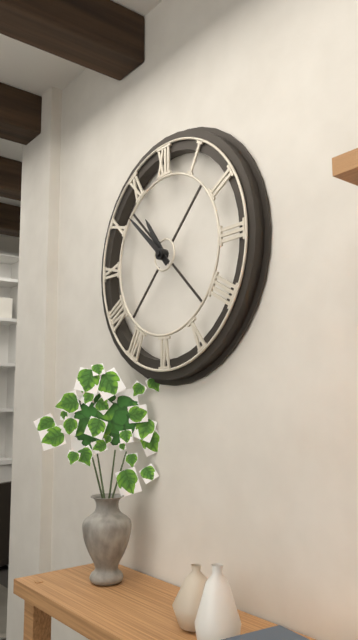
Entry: h=10 m=52
